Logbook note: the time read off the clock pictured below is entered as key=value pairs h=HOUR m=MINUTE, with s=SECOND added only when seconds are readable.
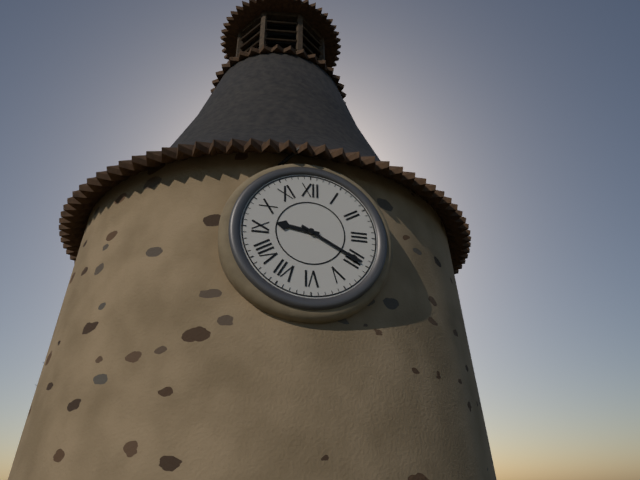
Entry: h=9 m=20
